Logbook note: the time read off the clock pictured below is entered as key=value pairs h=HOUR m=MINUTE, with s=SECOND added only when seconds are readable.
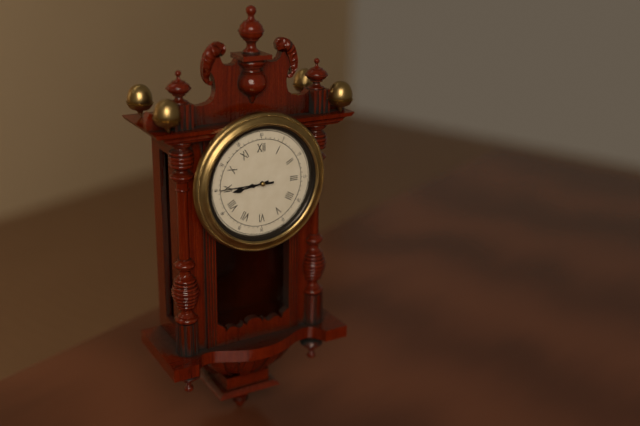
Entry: h=8 m=45
